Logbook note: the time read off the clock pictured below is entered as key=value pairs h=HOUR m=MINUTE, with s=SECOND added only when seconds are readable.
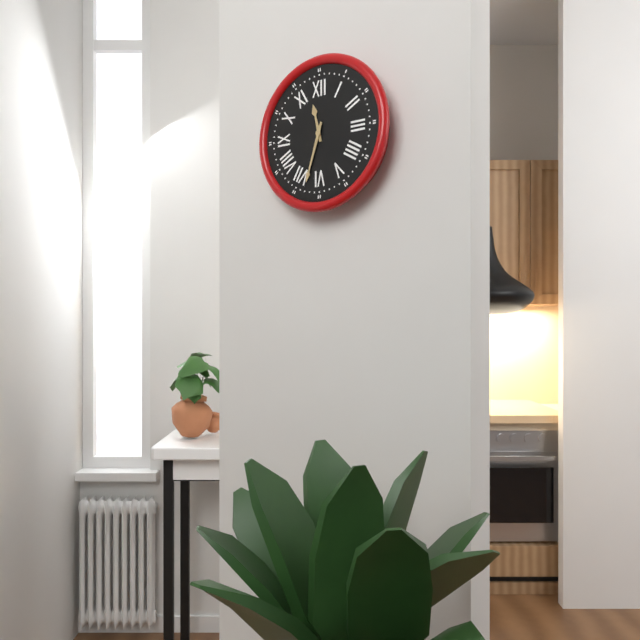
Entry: h=11 m=33
